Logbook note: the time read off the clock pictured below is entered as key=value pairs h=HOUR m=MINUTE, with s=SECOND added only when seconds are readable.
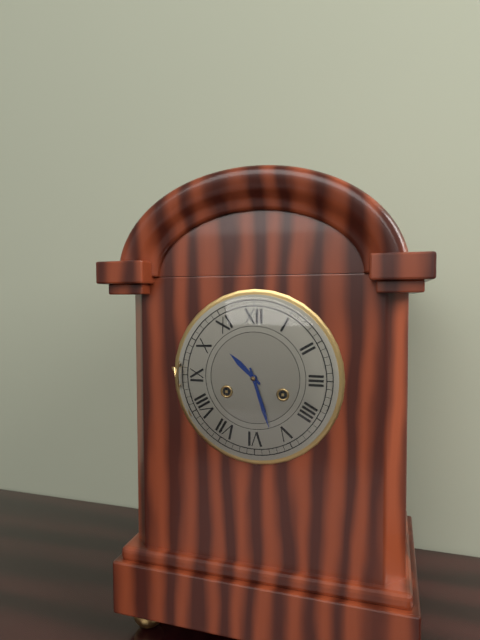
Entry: h=10 m=27
